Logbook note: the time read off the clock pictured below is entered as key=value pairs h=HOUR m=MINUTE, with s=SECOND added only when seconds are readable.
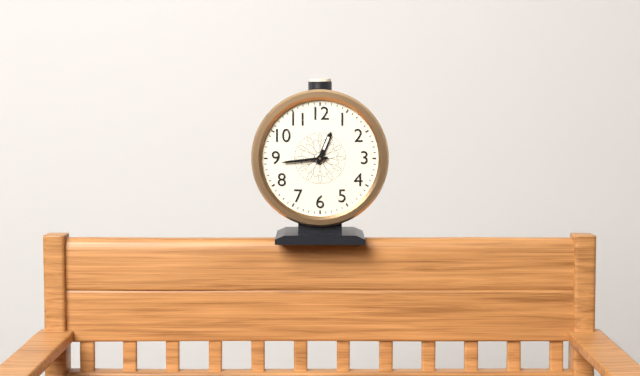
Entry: h=12 m=44
